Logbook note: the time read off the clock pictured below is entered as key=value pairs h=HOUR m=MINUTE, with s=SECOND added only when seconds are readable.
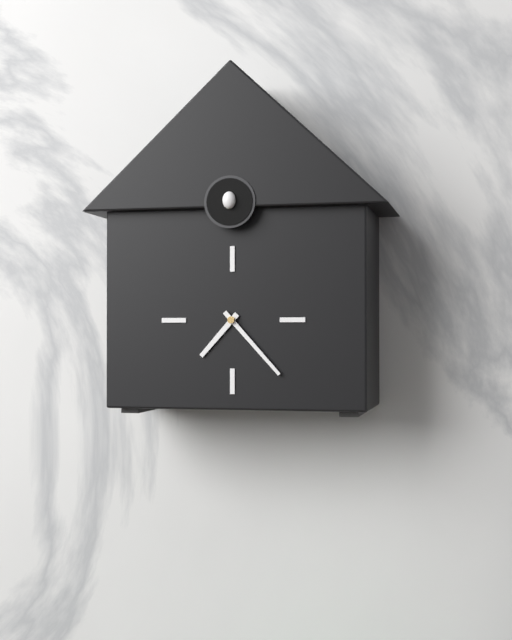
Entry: h=7 m=23
